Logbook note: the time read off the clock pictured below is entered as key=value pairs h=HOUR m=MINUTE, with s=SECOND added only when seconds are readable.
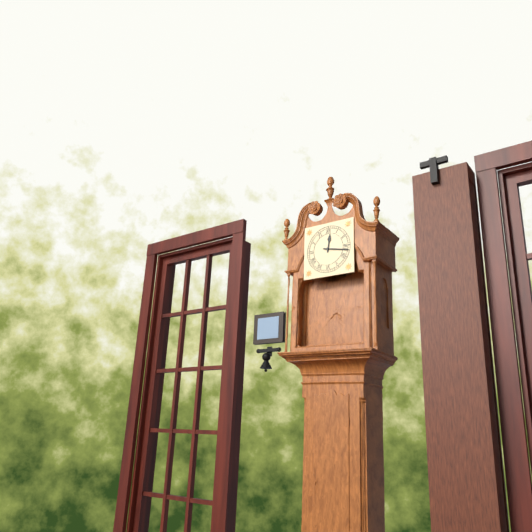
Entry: h=12 m=17
